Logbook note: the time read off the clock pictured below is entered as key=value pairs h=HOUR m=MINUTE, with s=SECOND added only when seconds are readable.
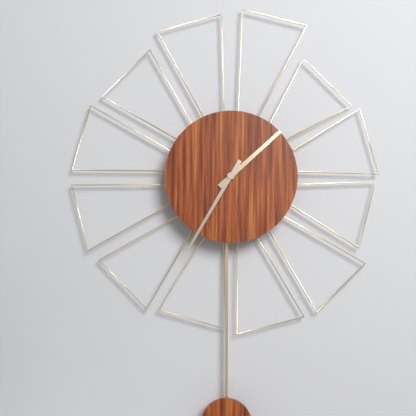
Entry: h=1 m=35
